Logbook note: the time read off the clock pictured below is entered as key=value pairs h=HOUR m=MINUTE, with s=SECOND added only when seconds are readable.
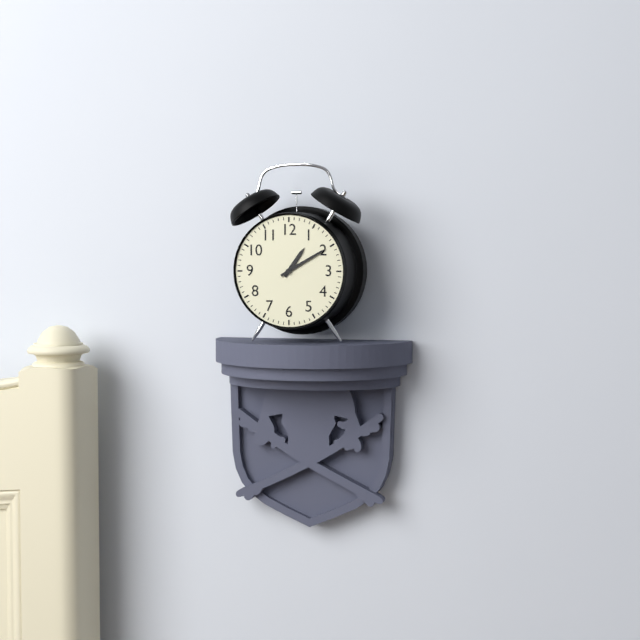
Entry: h=1 m=10
